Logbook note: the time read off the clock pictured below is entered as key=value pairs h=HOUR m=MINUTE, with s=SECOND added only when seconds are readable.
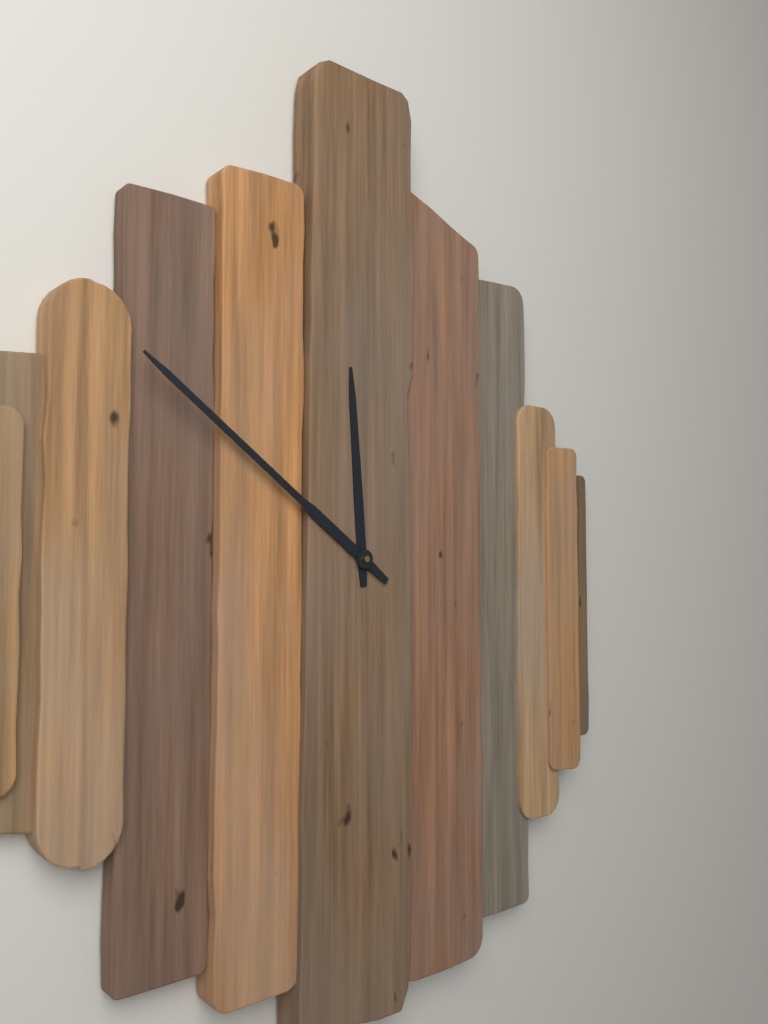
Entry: h=11 m=51
